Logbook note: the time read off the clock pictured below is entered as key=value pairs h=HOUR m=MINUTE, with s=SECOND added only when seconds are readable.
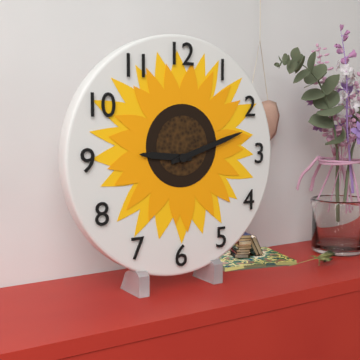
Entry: h=9 m=12
